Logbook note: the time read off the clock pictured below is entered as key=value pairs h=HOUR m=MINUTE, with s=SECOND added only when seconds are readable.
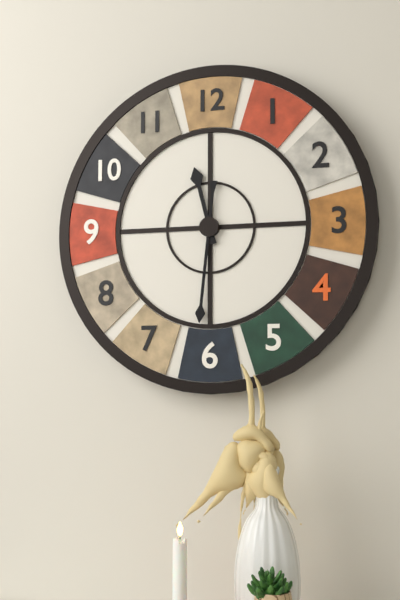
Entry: h=11 m=31
